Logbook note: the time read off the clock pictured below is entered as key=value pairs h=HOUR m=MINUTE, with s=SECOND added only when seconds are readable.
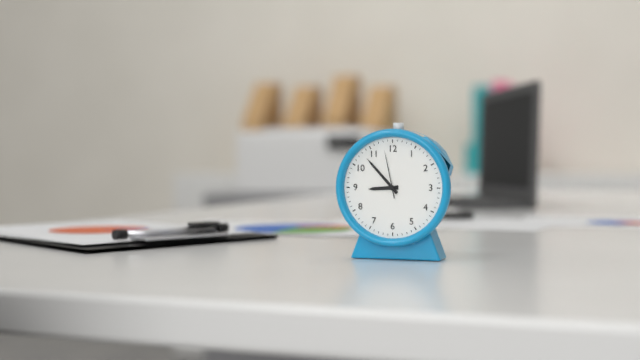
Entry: h=8 m=53
